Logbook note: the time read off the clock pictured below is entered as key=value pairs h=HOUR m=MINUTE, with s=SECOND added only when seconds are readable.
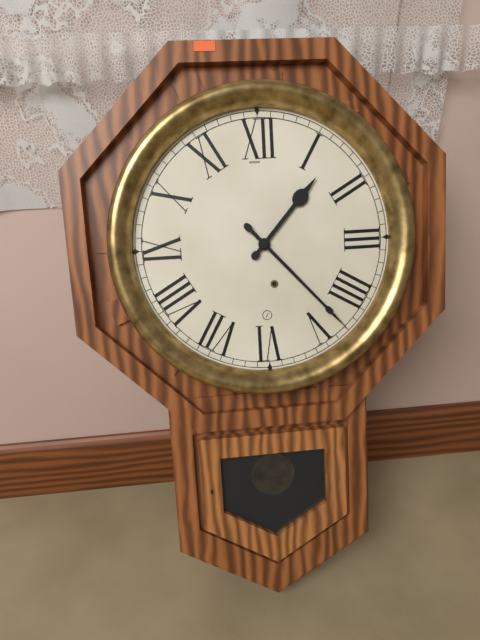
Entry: h=1 m=23
